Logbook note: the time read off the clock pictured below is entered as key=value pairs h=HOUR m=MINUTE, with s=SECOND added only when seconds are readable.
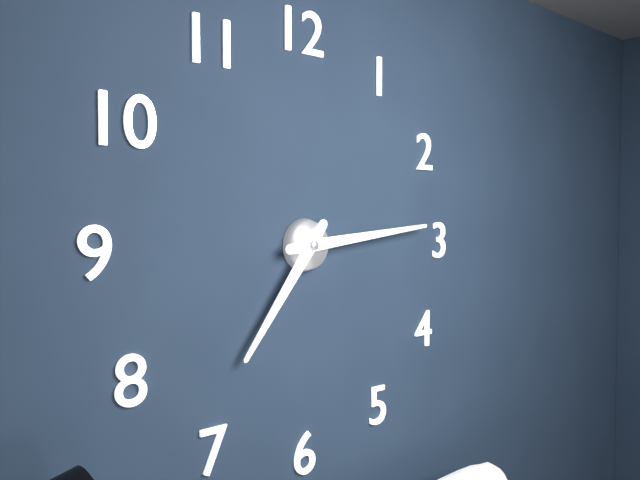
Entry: h=7 m=14
